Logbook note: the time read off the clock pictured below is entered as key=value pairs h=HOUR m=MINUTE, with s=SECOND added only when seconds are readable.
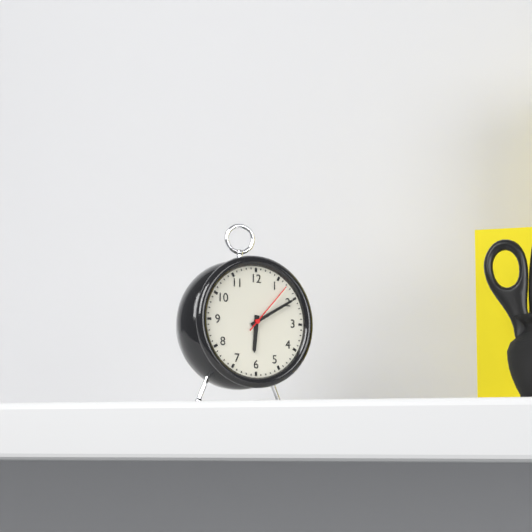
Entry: h=6 m=10 s=7
